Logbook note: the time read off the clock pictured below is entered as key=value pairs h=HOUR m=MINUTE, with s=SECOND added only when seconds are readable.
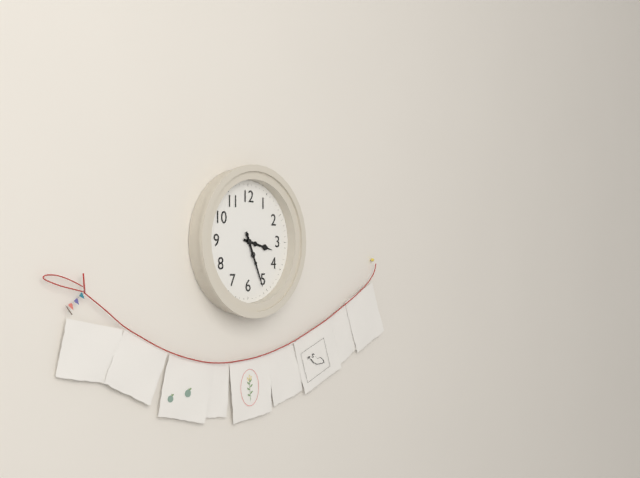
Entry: h=3 m=26
